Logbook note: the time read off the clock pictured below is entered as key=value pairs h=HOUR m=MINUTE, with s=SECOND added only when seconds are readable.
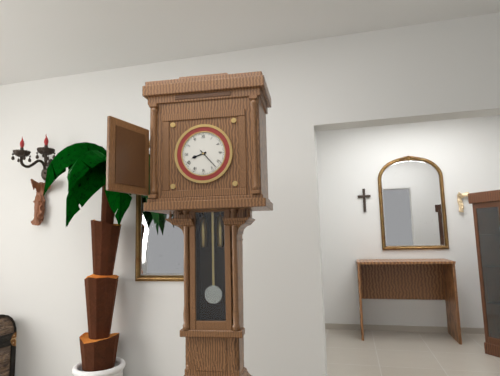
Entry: h=8 m=23
